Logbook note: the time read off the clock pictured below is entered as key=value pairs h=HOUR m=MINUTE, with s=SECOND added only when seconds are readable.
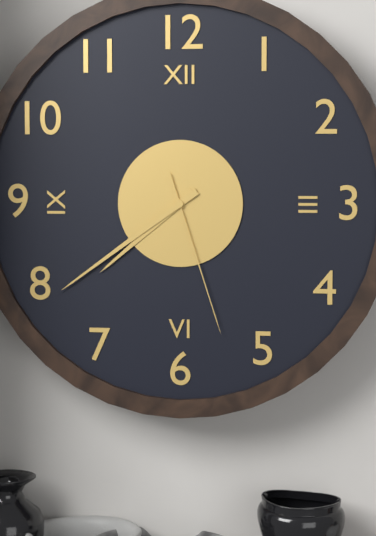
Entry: h=7 m=39 s=27
